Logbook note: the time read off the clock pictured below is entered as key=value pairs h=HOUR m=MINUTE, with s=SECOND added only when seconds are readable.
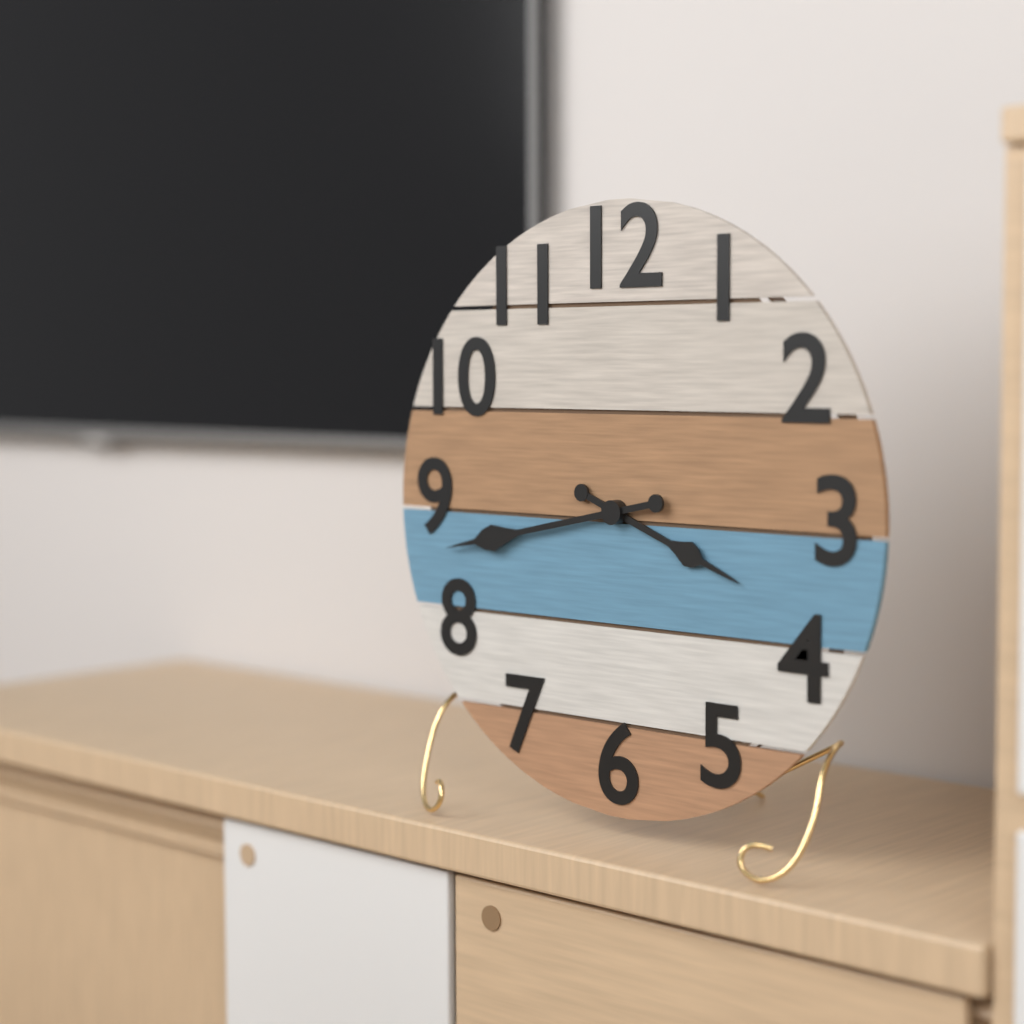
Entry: h=3 m=43
